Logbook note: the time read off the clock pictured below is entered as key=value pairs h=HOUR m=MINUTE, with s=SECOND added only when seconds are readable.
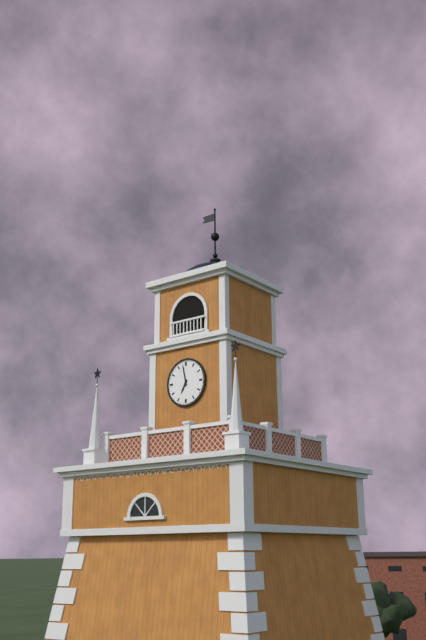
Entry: h=6 m=58
